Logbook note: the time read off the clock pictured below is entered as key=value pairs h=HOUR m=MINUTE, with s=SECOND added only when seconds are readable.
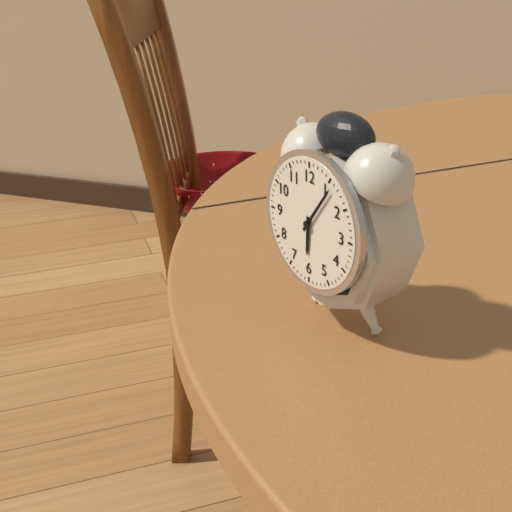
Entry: h=6 m=6
